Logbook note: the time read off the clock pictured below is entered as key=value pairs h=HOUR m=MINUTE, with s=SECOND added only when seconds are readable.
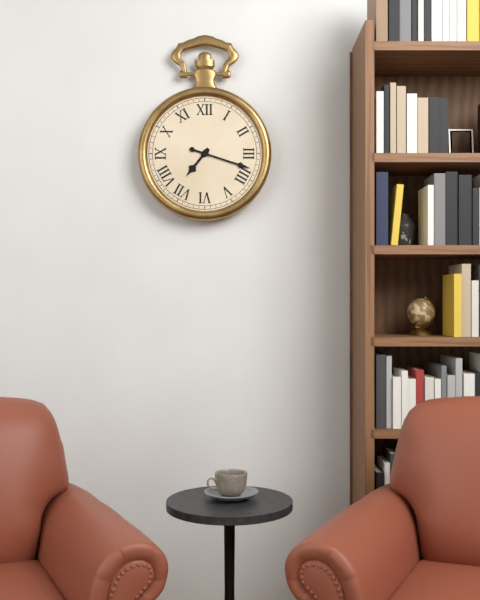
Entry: h=7 m=18
